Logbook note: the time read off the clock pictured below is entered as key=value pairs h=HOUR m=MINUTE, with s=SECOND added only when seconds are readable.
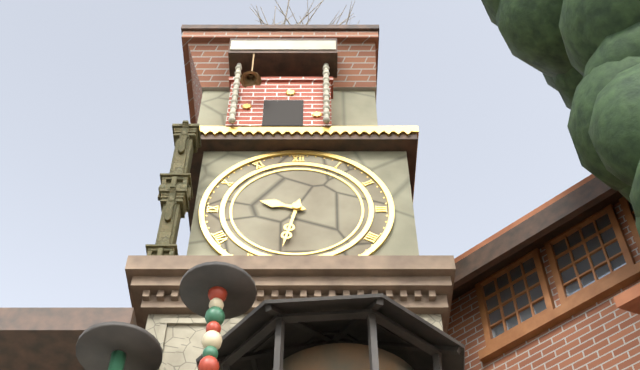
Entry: h=9 m=32
